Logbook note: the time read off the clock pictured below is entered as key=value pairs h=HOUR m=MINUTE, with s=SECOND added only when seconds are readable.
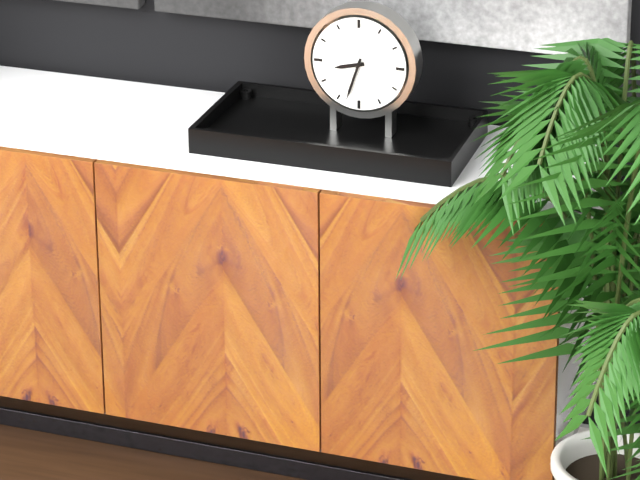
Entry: h=8 m=33
